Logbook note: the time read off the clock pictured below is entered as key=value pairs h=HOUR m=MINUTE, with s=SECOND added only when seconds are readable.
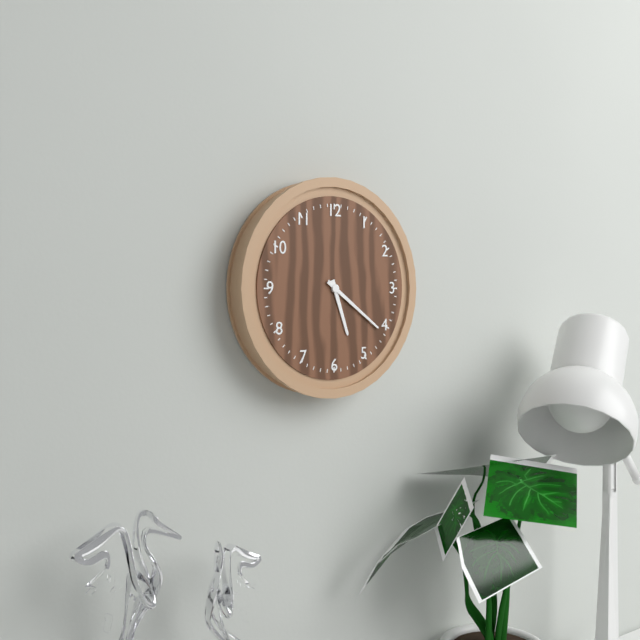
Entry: h=5 m=21
